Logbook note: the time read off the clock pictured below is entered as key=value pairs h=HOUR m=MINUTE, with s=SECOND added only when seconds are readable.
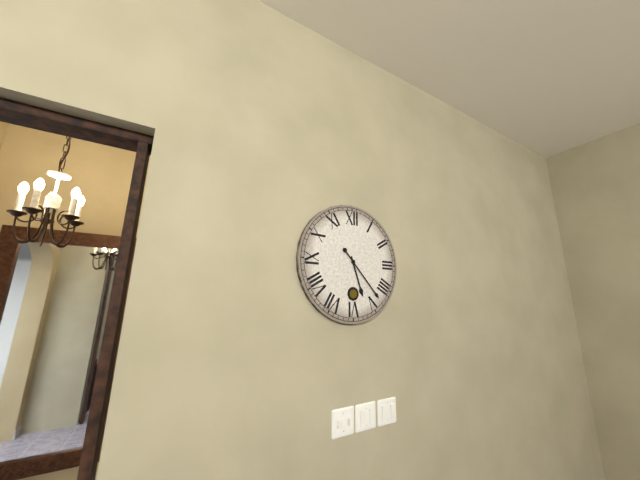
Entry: h=5 m=23
